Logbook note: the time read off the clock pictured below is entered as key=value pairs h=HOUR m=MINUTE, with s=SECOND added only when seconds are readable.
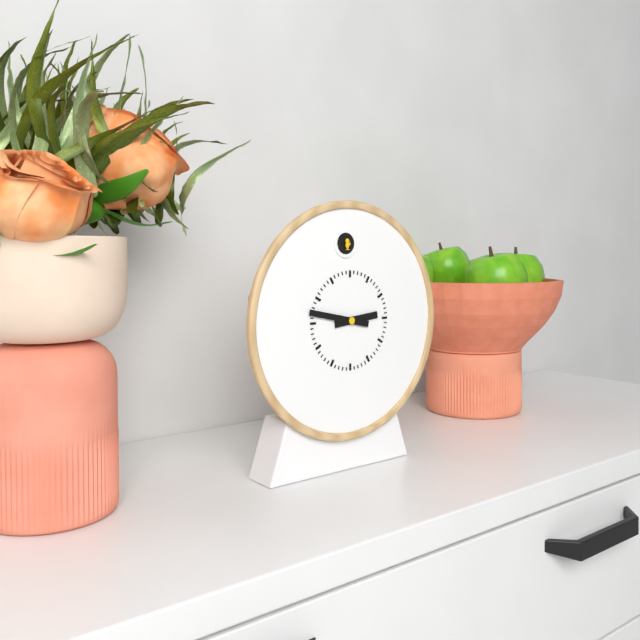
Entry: h=2 m=47
